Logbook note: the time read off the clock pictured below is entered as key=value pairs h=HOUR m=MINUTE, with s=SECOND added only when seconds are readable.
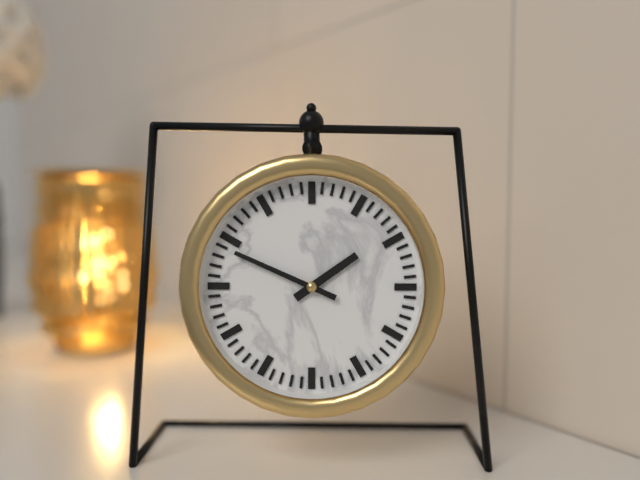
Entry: h=1 m=49
